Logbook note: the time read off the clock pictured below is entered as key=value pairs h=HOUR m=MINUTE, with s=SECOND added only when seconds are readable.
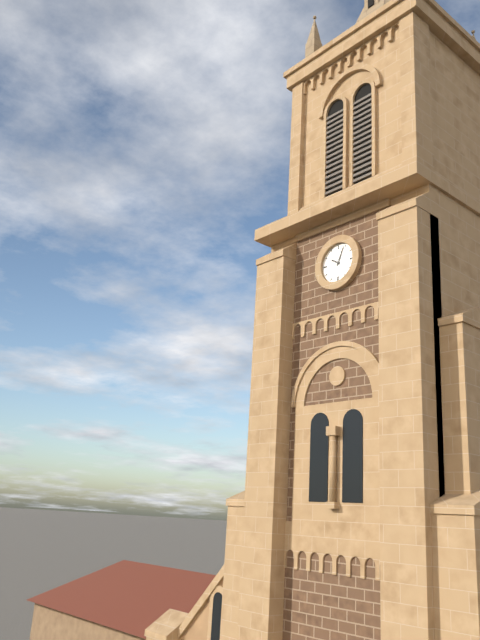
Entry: h=10 m=4
